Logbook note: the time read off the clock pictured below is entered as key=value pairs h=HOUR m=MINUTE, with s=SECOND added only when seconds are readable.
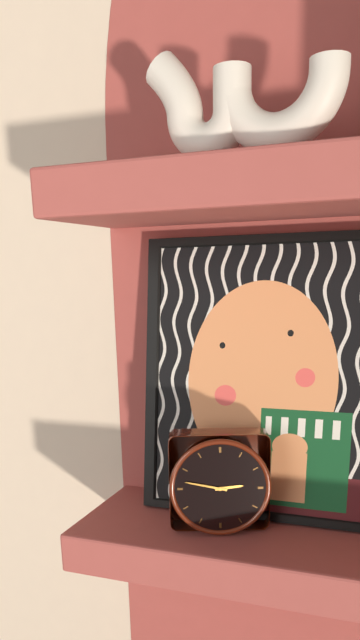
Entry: h=2 m=47
